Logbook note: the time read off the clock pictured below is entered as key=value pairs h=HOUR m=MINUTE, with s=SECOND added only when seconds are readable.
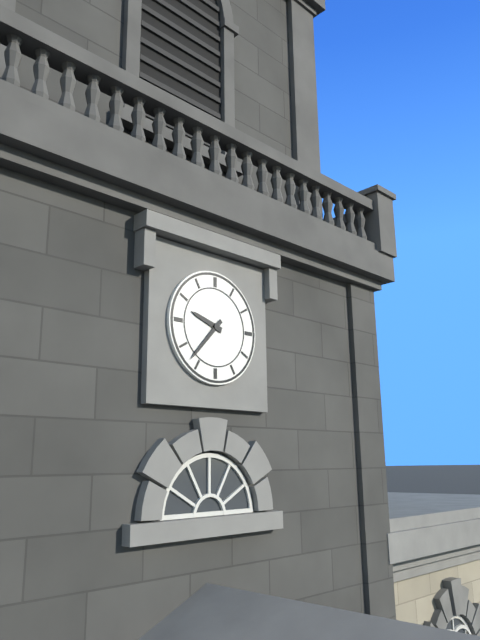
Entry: h=9 m=37
